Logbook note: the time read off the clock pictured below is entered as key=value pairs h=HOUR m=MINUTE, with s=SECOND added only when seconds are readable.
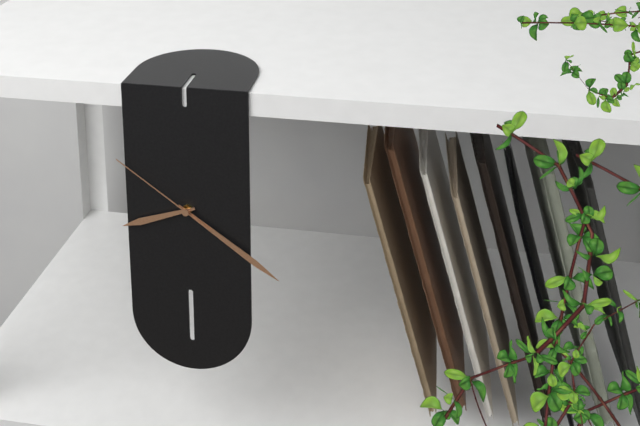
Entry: h=8 m=21 s=51
